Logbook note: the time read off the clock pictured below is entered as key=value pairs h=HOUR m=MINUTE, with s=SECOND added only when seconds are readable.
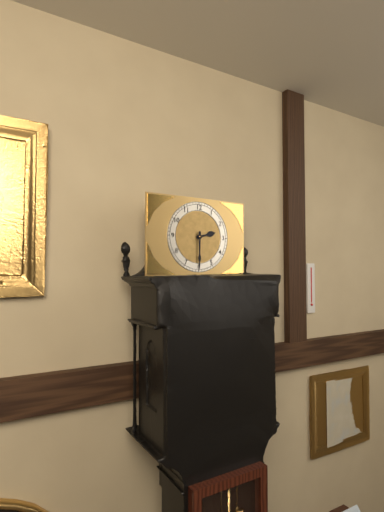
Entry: h=2 m=30
